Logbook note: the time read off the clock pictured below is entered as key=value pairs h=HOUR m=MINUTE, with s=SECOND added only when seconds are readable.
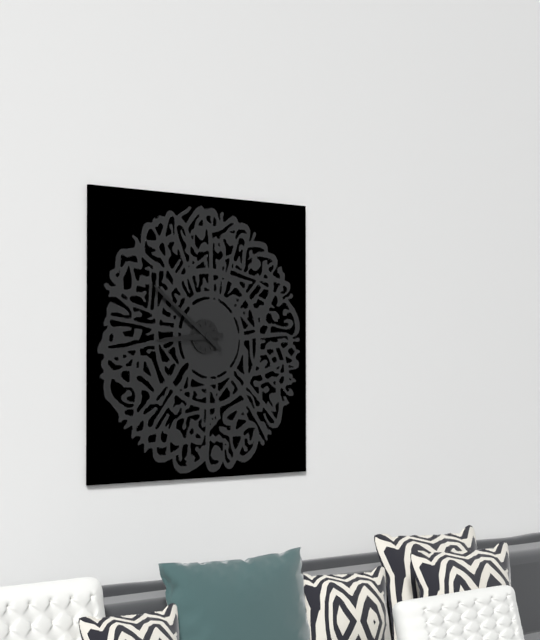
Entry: h=8 m=51
